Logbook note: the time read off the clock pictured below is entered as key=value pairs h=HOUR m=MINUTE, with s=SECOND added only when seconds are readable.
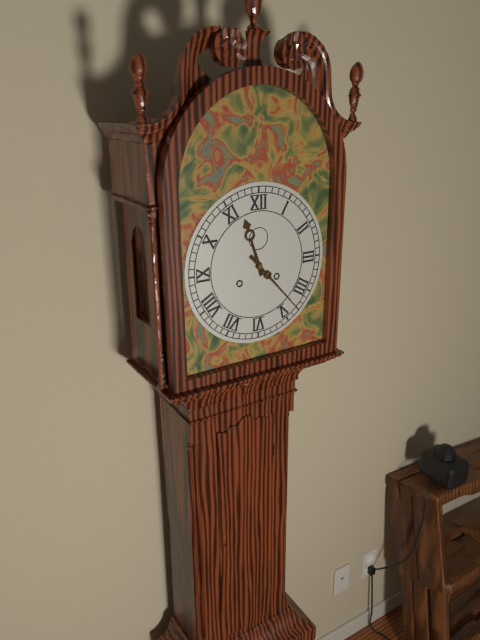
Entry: h=11 m=23
